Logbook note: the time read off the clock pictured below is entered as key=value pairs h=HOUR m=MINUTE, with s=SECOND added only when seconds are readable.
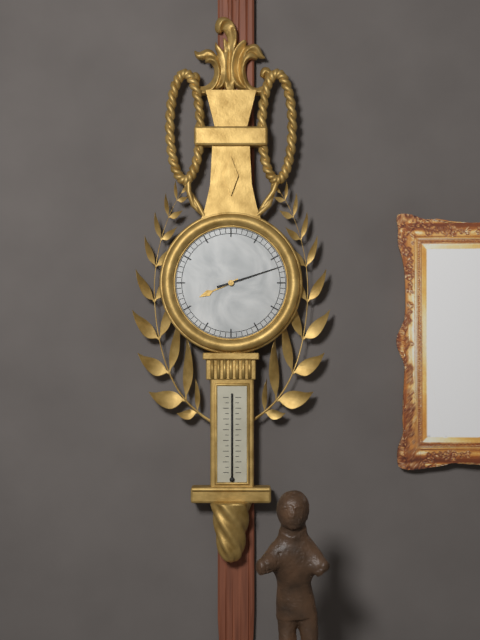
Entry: h=8 m=12
